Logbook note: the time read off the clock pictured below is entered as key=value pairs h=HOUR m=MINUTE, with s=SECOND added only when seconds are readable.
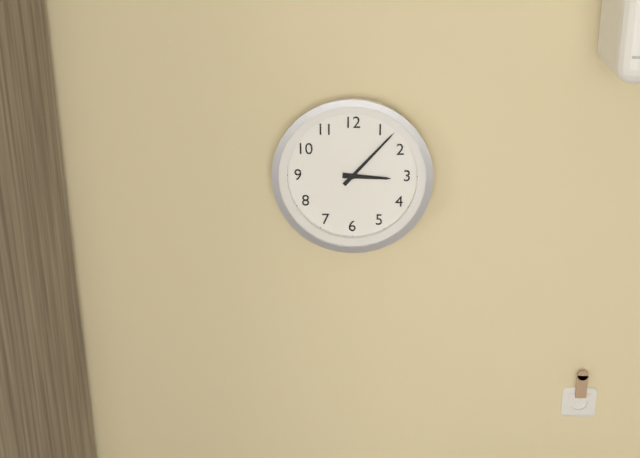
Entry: h=3 m=7
